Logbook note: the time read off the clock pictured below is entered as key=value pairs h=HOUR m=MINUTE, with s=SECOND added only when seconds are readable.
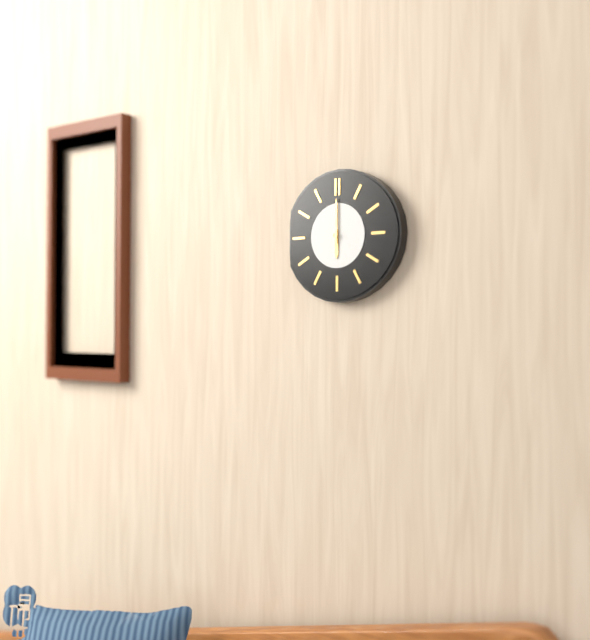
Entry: h=6 m=0
